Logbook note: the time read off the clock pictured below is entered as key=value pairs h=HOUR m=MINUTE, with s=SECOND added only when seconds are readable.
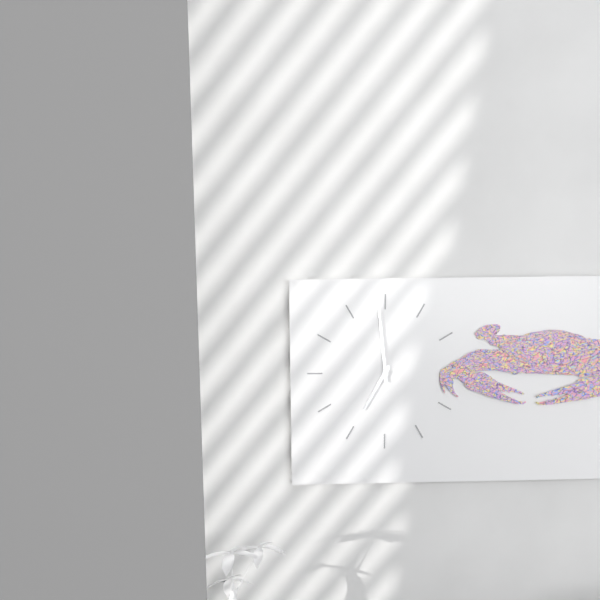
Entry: h=6 m=59
